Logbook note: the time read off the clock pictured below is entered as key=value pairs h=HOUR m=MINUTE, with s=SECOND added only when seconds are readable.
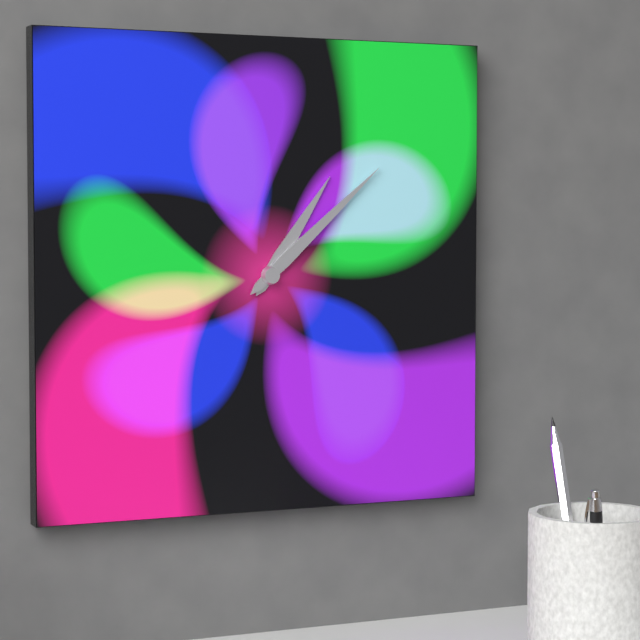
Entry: h=1 m=8
